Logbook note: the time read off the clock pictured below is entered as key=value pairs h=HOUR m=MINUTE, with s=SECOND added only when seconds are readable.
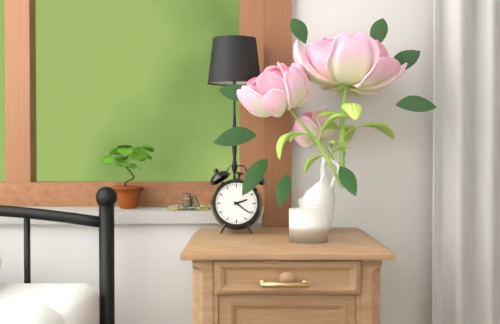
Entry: h=2 m=21
